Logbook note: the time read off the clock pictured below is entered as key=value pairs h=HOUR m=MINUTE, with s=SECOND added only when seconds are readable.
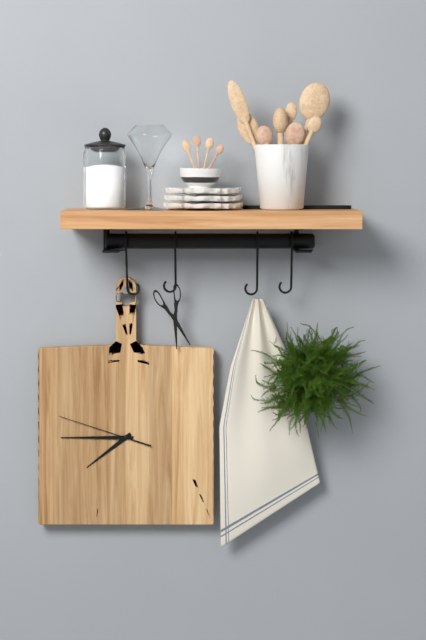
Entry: h=7 m=45 s=48
